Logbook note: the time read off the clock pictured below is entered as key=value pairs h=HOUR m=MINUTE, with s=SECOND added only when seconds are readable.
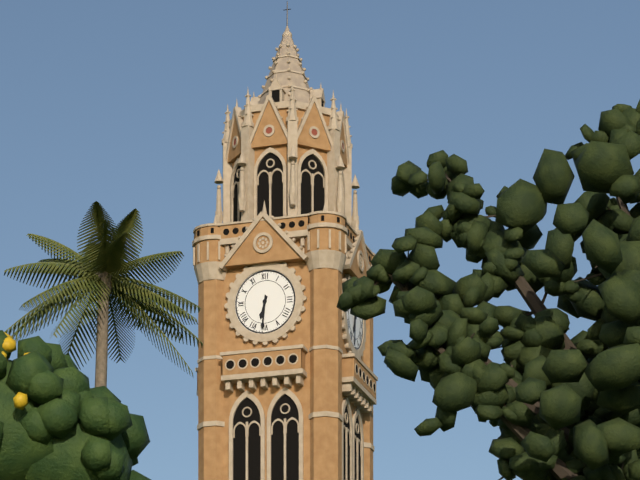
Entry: h=6 m=31
